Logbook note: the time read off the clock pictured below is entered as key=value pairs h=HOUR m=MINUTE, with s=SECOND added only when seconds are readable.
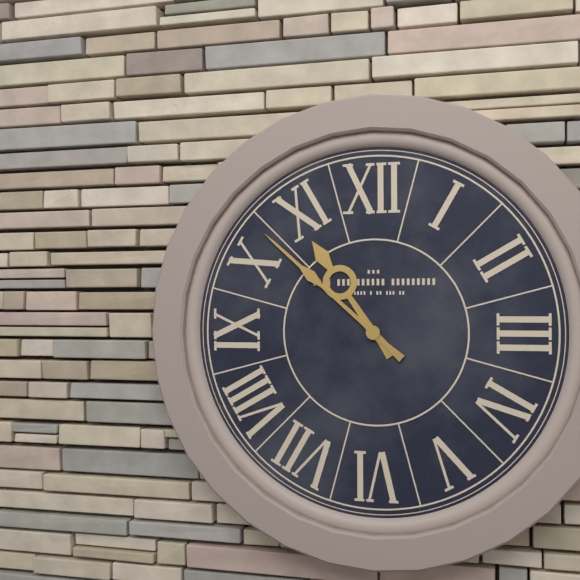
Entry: h=10 m=52
